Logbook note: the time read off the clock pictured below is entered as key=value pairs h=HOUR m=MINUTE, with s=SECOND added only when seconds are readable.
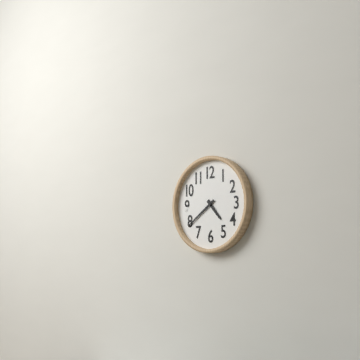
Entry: h=4 m=39
